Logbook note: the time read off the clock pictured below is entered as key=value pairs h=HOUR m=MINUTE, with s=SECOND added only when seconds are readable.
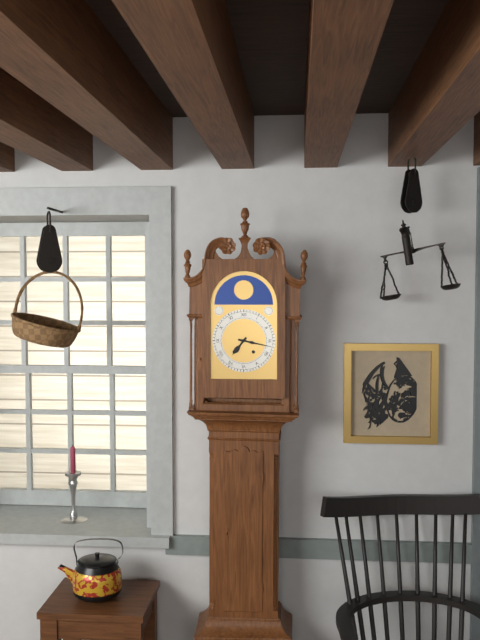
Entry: h=7 m=17
